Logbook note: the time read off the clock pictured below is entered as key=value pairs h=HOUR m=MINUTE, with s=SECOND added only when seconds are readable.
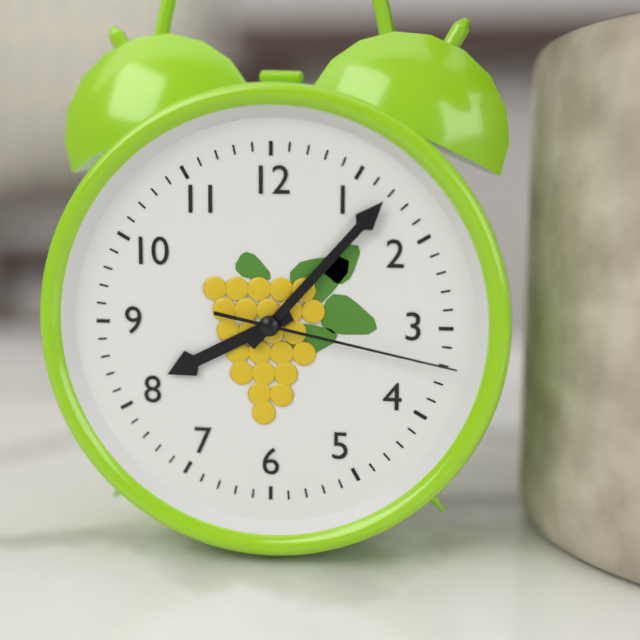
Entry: h=8 m=7 s=17
